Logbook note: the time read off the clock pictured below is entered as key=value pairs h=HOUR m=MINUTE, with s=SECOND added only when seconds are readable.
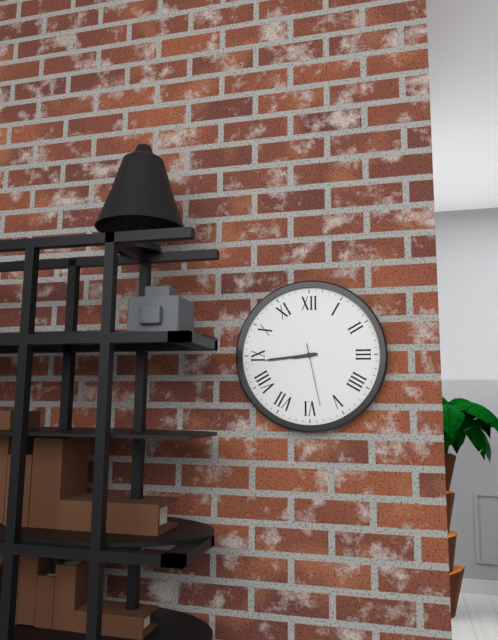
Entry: h=8 m=44 s=28
